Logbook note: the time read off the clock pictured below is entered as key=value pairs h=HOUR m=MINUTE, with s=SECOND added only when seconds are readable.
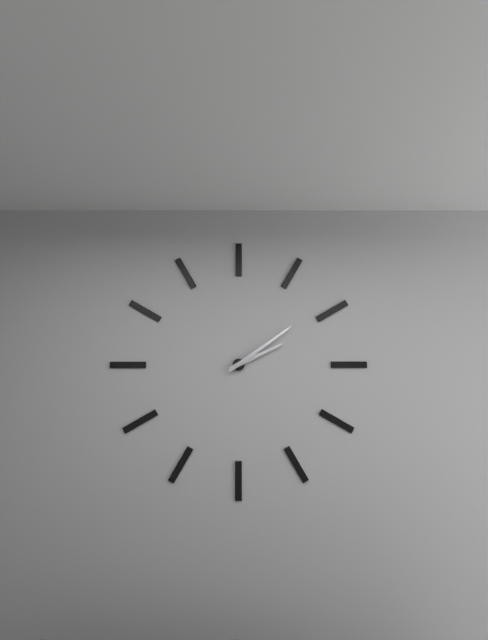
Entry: h=2 m=9
